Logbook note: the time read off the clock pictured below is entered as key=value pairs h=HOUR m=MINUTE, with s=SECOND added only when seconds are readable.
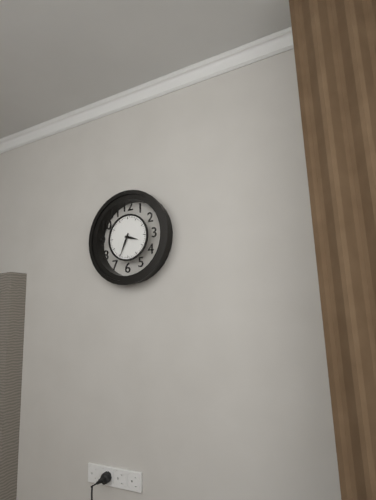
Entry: h=3 m=34
